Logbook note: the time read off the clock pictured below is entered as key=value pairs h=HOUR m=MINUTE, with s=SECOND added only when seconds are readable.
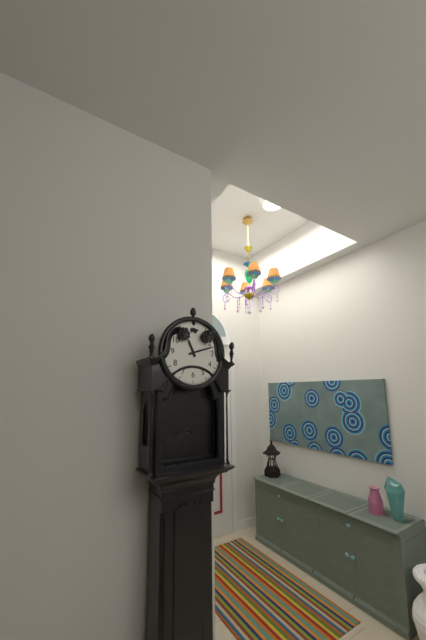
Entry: h=11 m=12
